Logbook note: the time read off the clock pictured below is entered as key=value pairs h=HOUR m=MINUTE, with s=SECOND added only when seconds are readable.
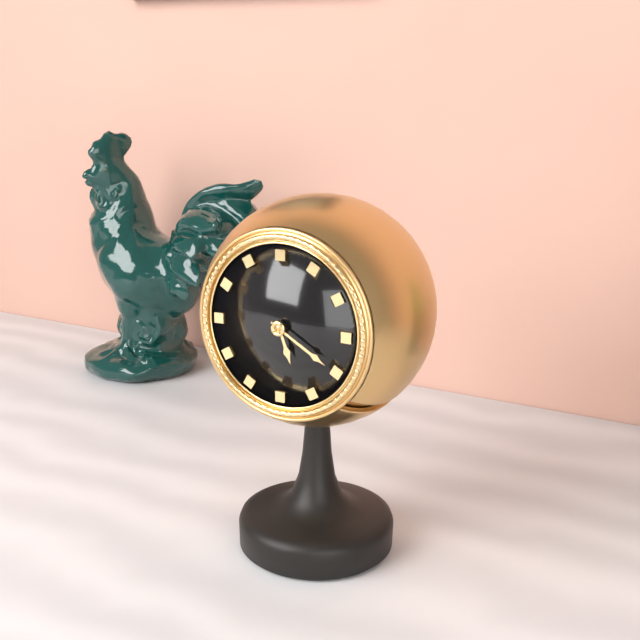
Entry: h=5 m=20
